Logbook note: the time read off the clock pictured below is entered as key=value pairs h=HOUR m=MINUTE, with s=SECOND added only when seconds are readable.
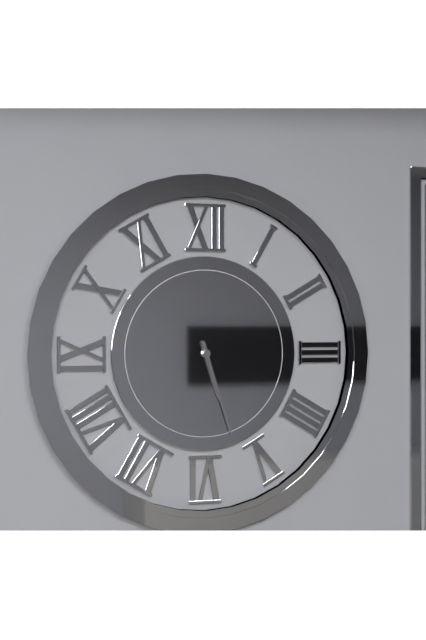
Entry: h=5 m=27
